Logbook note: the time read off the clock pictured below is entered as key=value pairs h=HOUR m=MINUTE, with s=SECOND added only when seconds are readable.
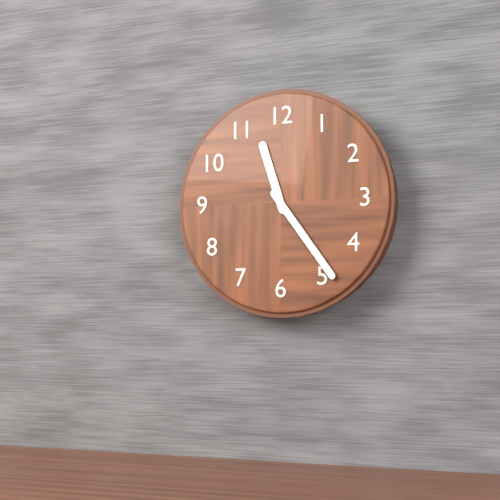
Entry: h=11 m=24
